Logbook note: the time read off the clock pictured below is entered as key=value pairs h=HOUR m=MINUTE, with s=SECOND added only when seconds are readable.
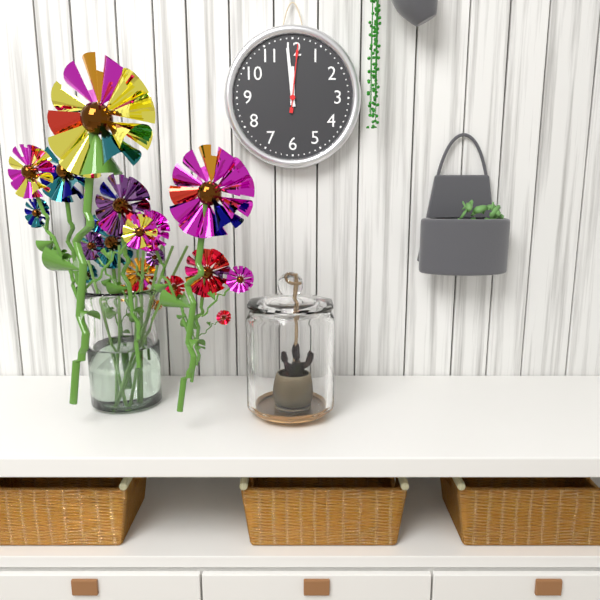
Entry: h=11 m=59 s=1
